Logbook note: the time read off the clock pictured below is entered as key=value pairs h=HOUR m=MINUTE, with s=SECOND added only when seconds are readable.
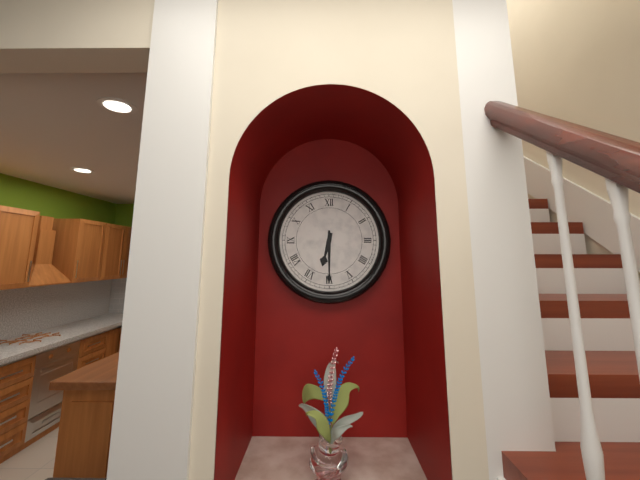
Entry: h=6 m=30
